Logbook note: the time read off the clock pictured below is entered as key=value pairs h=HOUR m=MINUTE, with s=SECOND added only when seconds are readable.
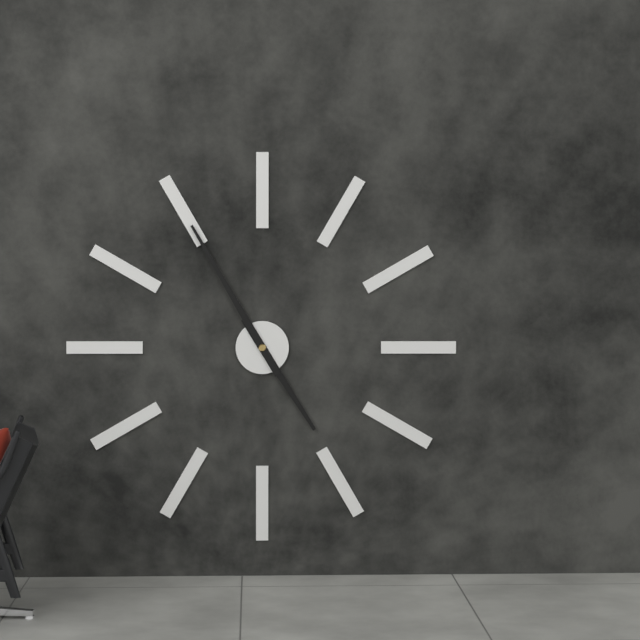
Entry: h=4 m=55
